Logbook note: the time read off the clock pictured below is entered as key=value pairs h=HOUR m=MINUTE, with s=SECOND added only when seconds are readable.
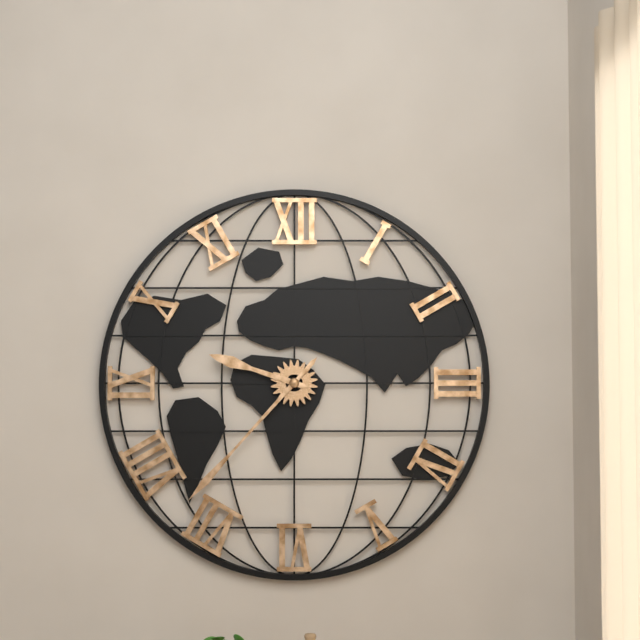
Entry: h=9 m=37
